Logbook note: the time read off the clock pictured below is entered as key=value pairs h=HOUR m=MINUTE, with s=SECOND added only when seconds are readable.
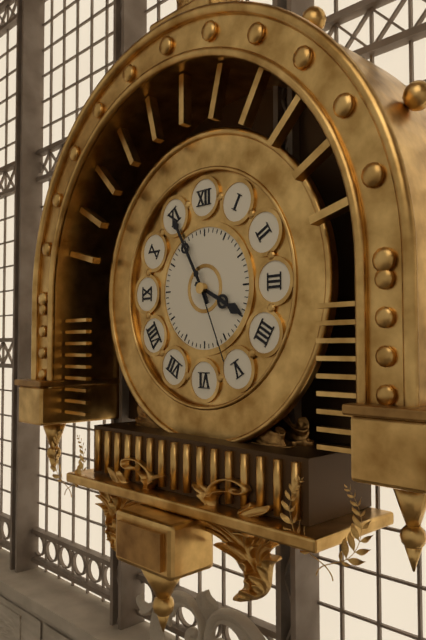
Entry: h=3 m=55 s=26
